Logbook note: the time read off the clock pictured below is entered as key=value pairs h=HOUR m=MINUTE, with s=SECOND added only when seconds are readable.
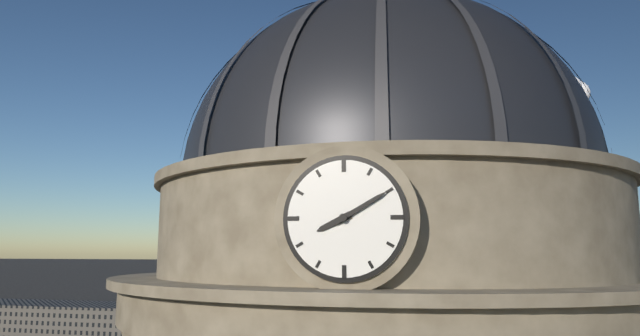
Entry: h=8 m=10
